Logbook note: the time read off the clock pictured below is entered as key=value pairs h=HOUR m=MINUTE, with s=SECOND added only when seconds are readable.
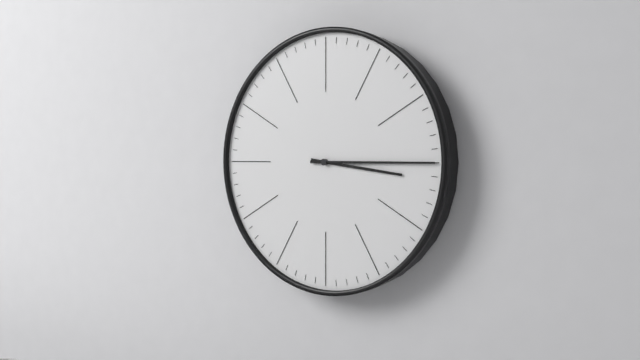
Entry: h=3 m=15
